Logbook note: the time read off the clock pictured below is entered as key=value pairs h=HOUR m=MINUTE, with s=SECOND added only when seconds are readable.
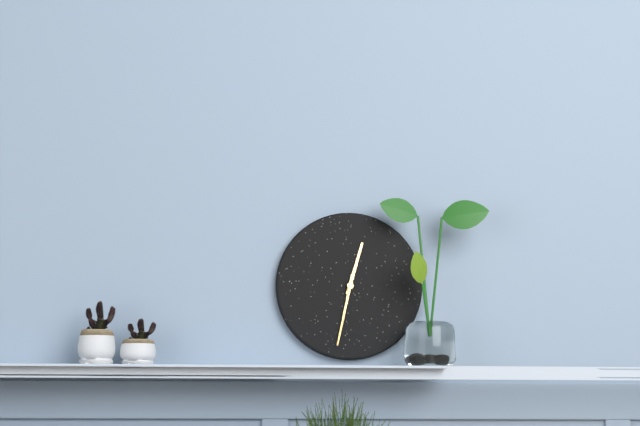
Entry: h=12 m=32
